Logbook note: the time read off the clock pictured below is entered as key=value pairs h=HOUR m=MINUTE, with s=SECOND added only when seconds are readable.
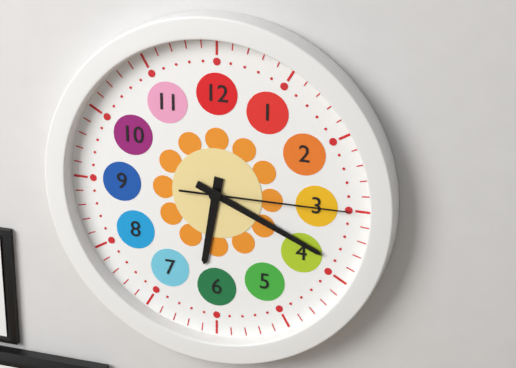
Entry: h=6 m=19 s=15
